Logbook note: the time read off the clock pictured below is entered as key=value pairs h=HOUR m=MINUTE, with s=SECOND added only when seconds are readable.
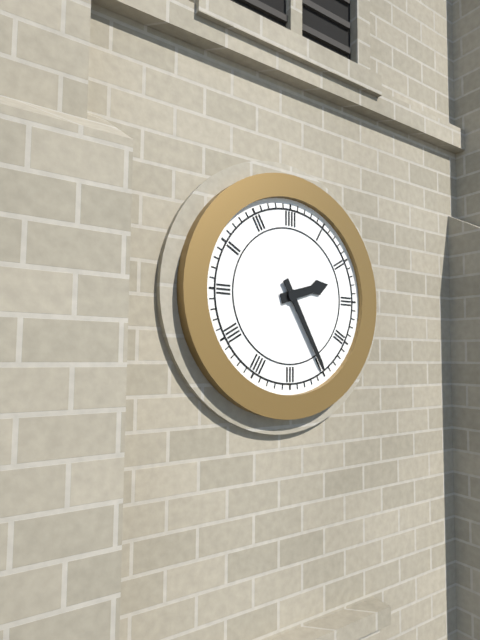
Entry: h=2 m=25
